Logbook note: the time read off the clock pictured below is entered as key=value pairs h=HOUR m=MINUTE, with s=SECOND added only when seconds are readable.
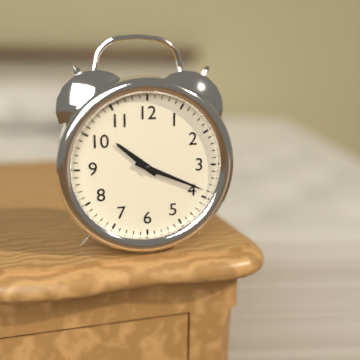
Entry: h=10 m=19
